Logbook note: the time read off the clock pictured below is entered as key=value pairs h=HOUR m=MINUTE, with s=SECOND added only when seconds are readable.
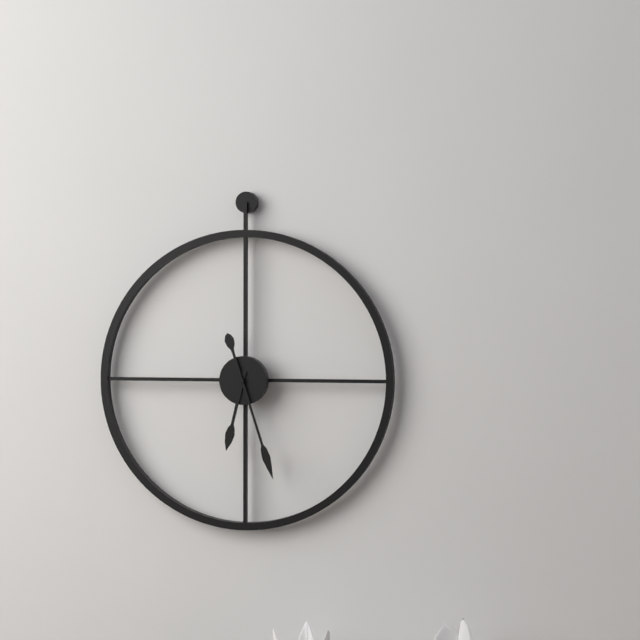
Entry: h=6 m=27
